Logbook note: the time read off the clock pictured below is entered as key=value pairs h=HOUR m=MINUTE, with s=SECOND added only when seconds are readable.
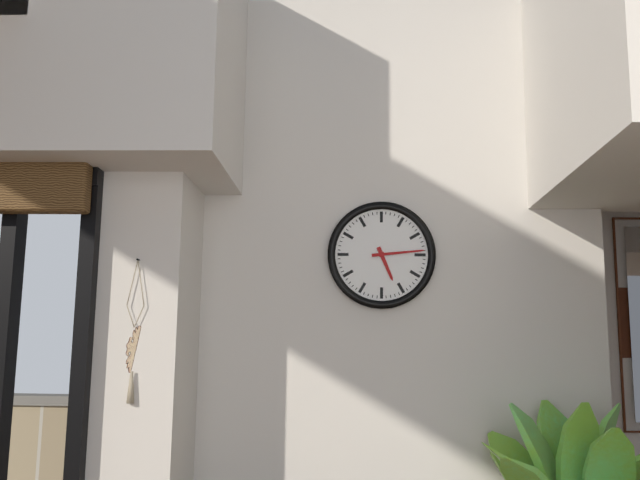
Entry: h=5 m=14
